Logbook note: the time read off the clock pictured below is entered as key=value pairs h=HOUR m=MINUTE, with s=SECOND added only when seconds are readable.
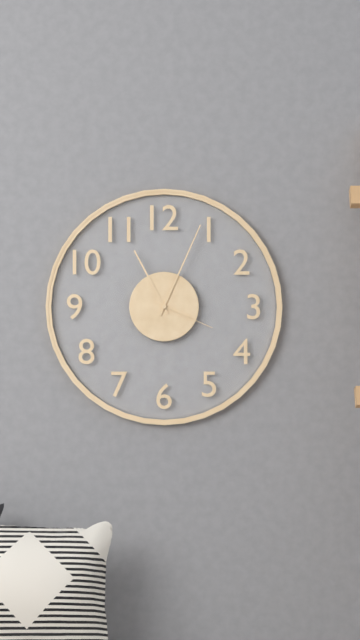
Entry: h=11 m=4 s=19
